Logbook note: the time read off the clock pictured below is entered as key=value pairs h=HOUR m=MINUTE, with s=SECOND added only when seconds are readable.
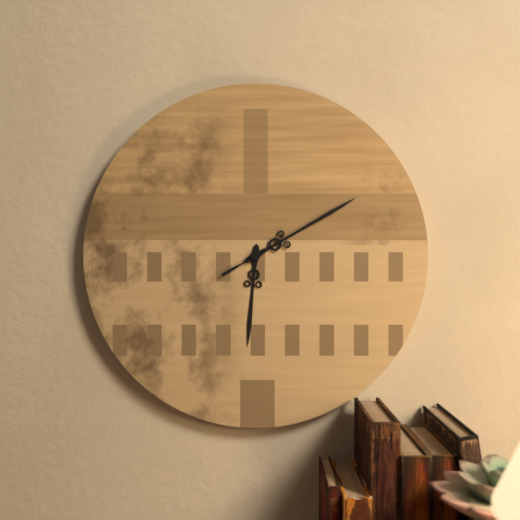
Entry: h=6 m=10 s=10
